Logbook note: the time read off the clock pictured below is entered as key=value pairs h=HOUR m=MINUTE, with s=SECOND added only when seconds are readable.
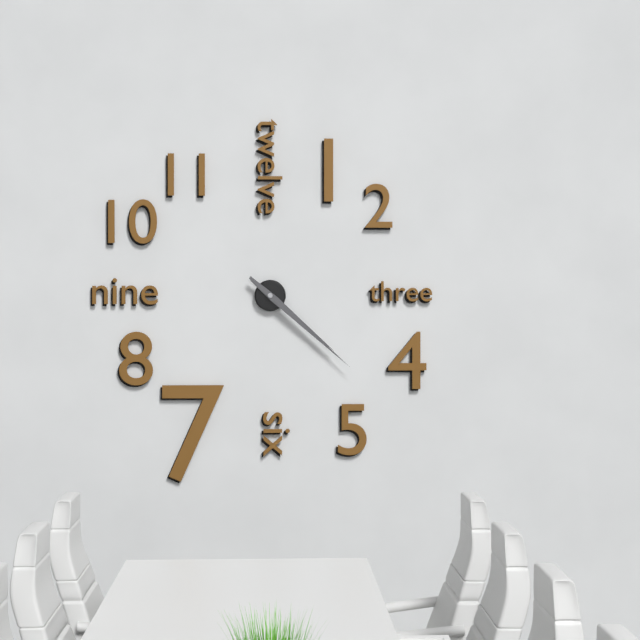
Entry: h=4 m=22
